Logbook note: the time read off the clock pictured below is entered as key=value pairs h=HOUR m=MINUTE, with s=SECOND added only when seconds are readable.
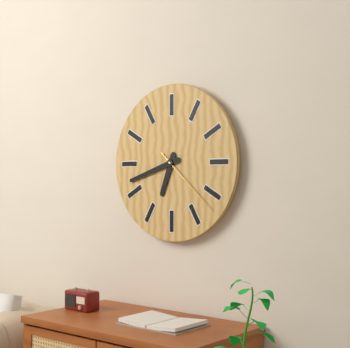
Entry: h=6 m=42 s=22
